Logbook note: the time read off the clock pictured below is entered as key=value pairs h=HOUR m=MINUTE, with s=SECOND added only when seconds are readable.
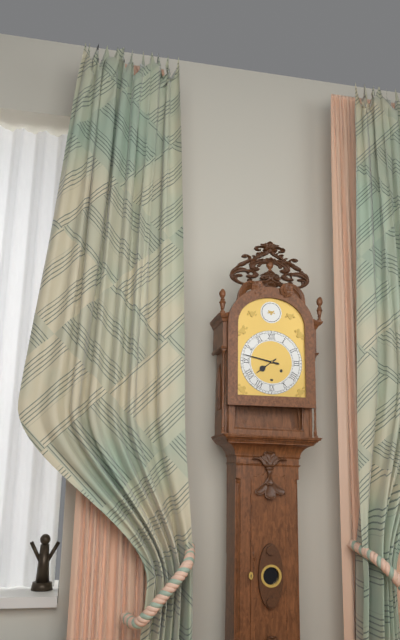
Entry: h=7 m=47
